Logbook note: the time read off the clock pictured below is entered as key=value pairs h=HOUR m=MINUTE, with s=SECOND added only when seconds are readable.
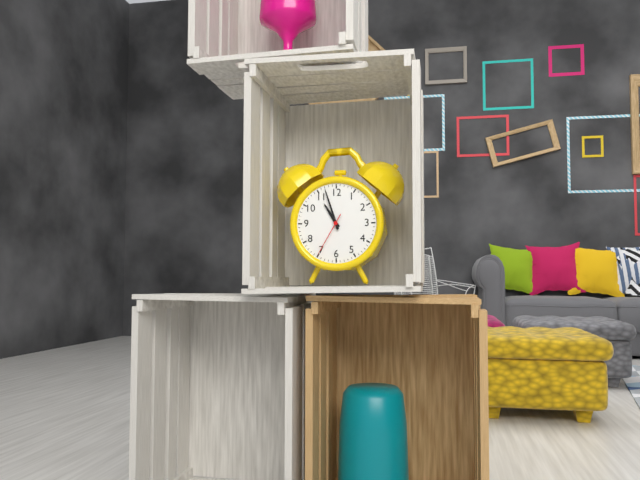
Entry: h=10 m=57
